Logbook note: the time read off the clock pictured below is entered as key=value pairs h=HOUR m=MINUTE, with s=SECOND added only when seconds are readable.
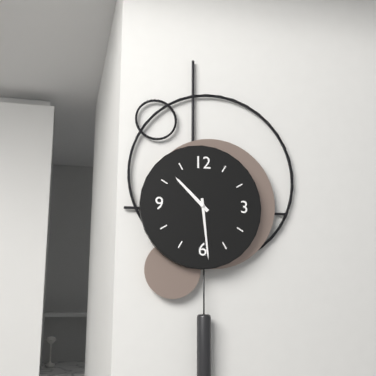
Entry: h=10 m=29
